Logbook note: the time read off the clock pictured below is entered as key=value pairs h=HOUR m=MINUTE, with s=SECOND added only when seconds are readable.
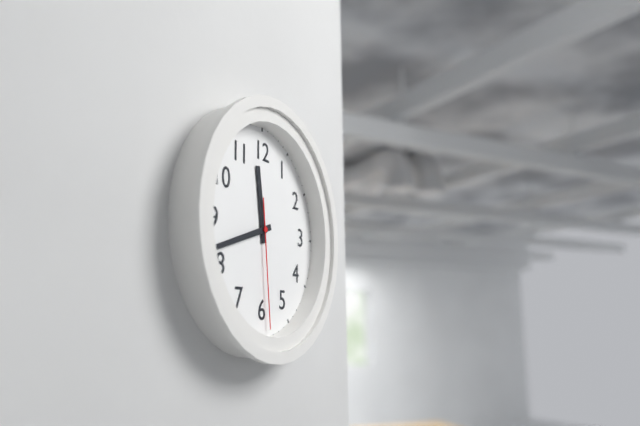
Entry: h=11 m=42 s=29
